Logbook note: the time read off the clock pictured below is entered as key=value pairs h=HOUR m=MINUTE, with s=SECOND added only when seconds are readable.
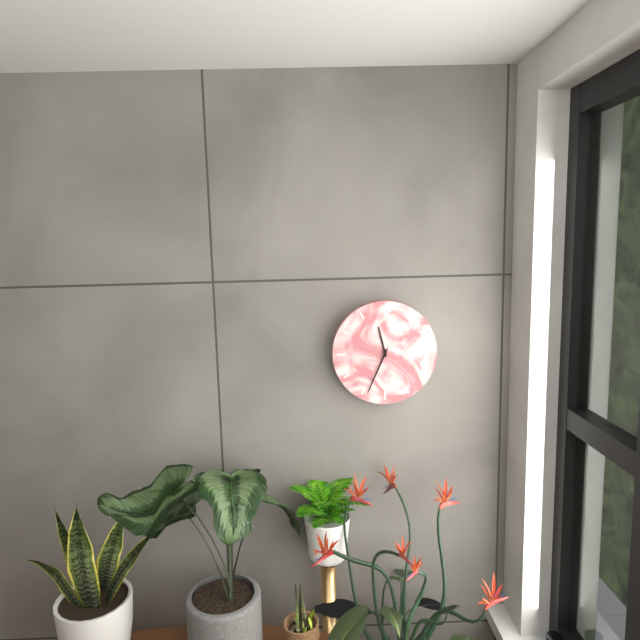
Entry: h=11 m=34 s=34
